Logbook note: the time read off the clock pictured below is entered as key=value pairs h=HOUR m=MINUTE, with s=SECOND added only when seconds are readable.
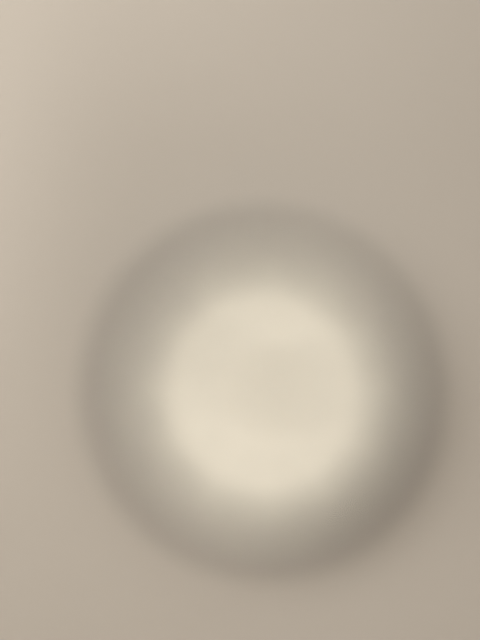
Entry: h=2 m=49
